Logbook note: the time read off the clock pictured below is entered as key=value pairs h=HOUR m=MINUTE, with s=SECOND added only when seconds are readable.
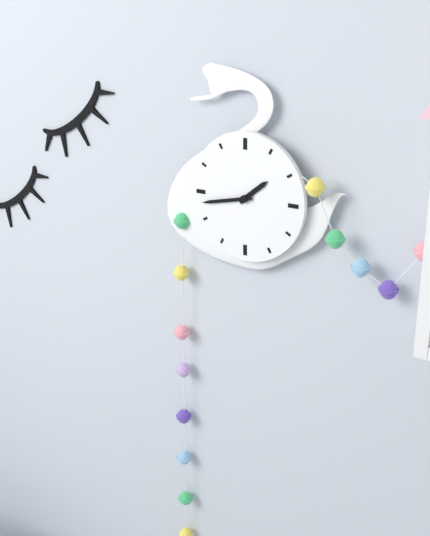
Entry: h=1 m=43
